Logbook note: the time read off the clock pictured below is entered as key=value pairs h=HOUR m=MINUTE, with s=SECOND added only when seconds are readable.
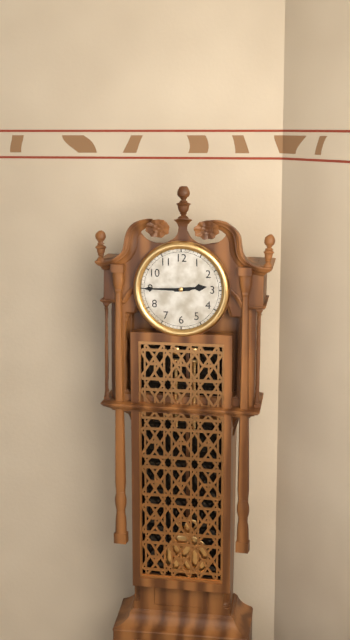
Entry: h=2 m=45
